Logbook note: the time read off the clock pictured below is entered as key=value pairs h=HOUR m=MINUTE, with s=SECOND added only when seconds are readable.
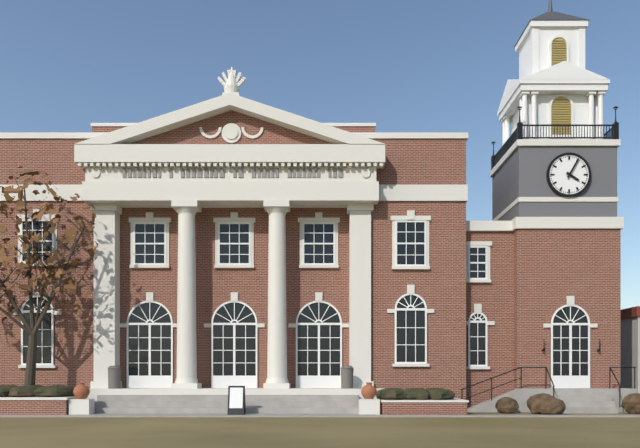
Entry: h=4 m=5
